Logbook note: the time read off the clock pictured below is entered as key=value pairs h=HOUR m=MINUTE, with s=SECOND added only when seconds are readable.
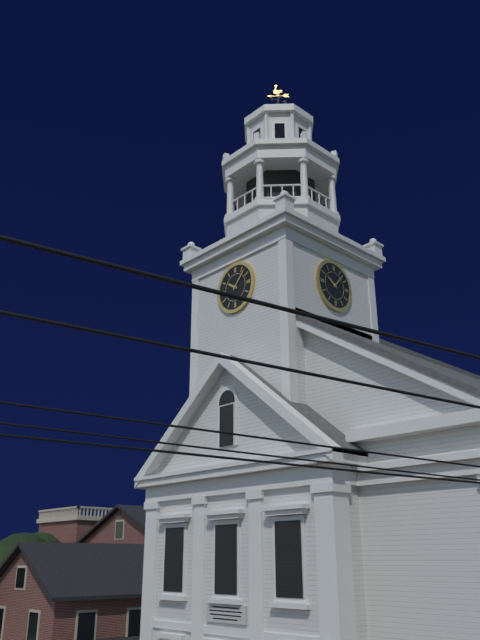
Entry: h=10 m=7
